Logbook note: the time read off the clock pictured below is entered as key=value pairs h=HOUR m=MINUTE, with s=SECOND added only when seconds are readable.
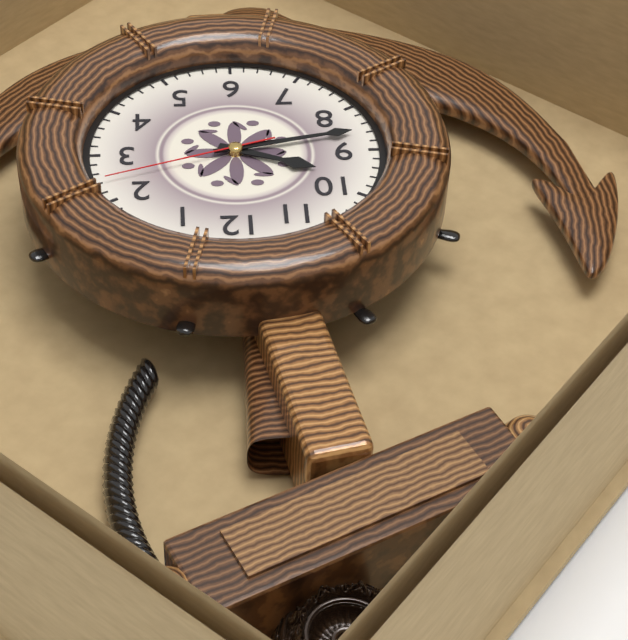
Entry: h=9 m=43 s=12
